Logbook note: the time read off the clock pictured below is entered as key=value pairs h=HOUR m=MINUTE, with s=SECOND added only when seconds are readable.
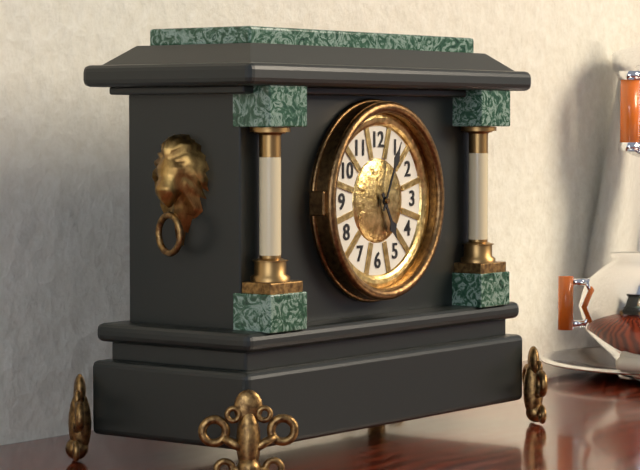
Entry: h=5 m=4
